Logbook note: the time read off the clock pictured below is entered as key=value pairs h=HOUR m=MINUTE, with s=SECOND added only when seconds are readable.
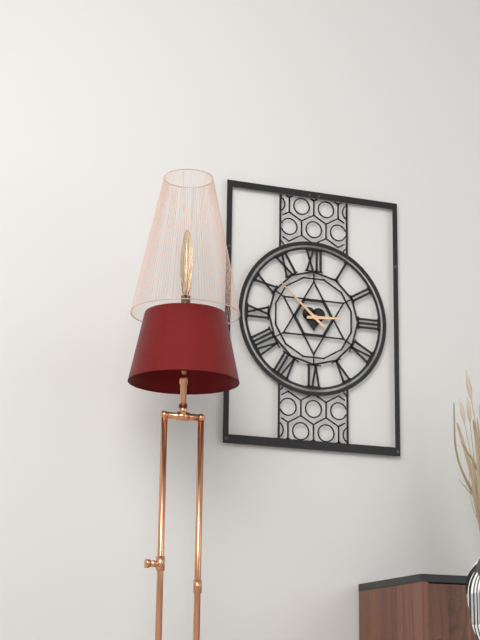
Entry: h=2 m=52
